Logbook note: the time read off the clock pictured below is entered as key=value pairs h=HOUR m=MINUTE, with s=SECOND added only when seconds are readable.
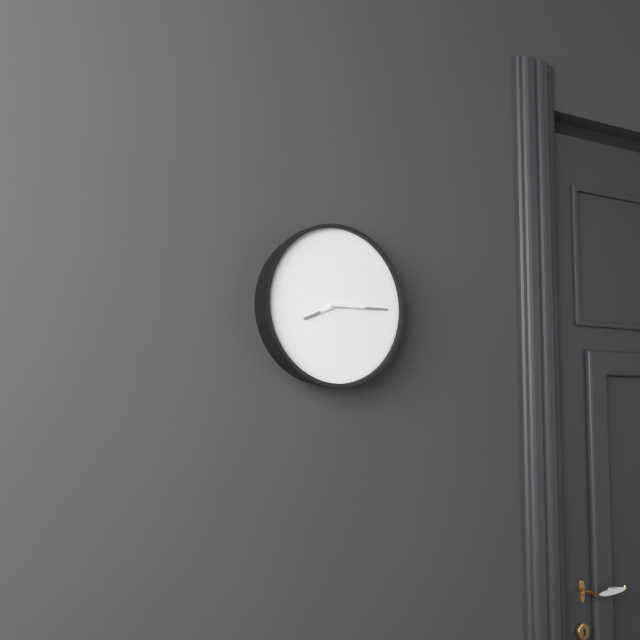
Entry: h=8 m=15
